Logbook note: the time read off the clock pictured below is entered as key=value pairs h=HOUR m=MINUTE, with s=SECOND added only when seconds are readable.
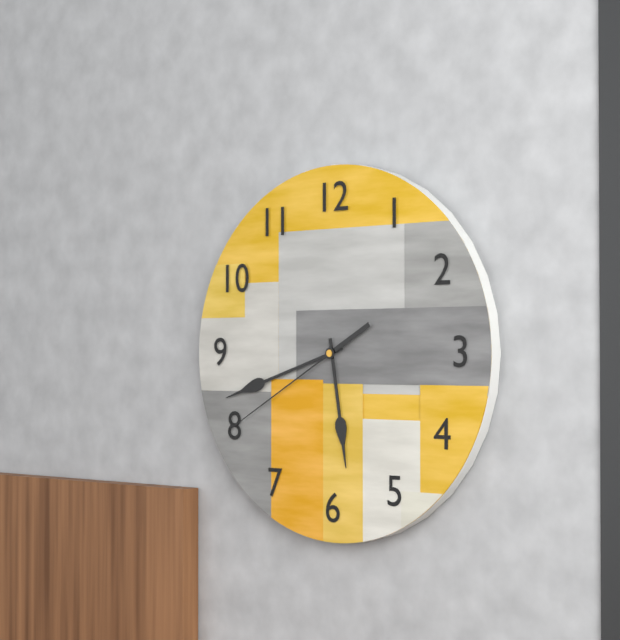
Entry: h=5 m=42 s=40
